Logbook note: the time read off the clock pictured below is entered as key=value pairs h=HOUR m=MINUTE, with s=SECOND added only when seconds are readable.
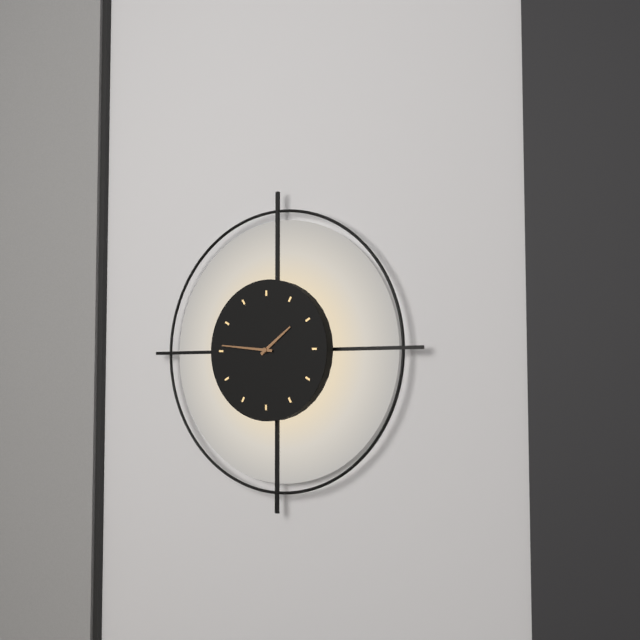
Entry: h=1 m=46
